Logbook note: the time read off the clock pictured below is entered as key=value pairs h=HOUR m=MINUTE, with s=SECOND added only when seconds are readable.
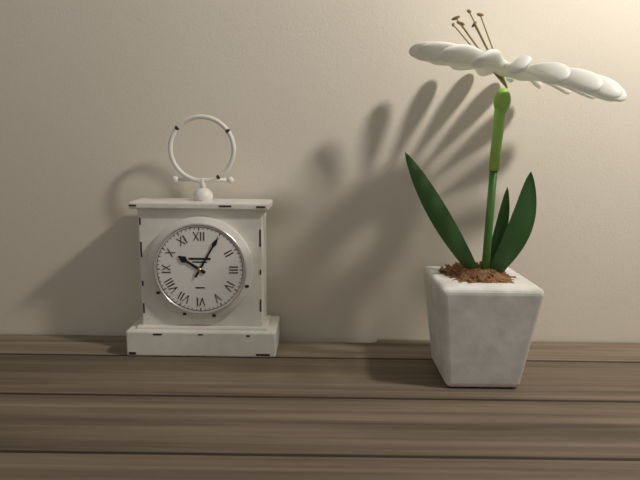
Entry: h=10 m=5
